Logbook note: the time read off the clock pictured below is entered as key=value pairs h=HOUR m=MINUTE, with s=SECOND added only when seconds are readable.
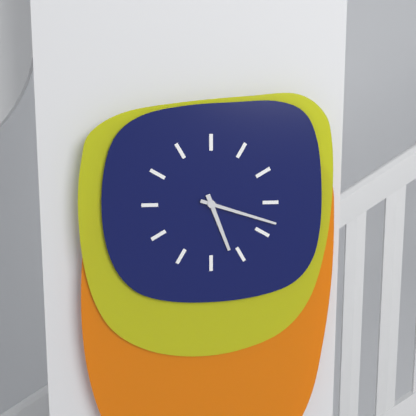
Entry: h=5 m=18
